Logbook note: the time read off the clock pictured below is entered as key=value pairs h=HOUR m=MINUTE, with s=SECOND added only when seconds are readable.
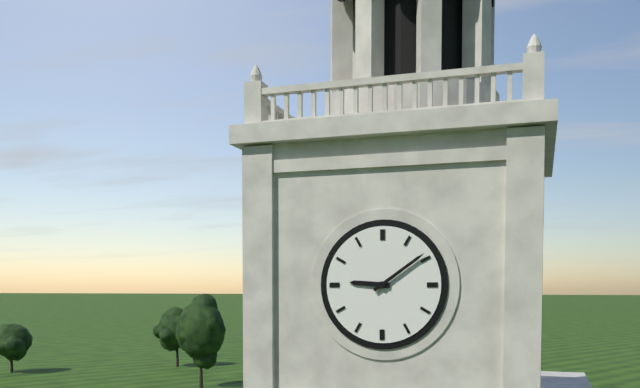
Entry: h=9 m=9
